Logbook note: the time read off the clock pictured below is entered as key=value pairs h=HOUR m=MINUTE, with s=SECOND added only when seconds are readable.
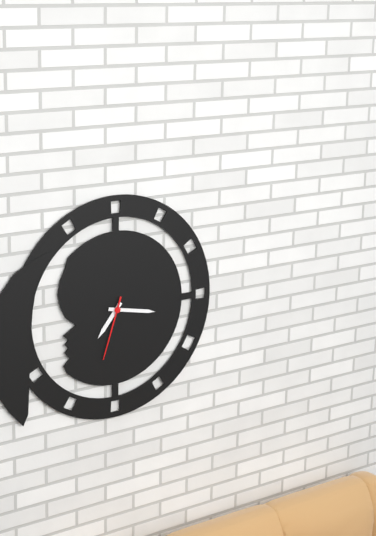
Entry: h=7 m=17 s=33
